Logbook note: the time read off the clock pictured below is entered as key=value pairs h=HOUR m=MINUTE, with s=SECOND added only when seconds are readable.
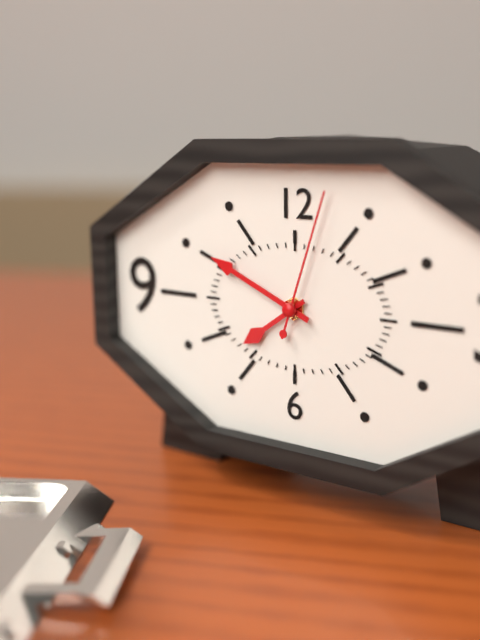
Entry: h=7 m=49 s=3
